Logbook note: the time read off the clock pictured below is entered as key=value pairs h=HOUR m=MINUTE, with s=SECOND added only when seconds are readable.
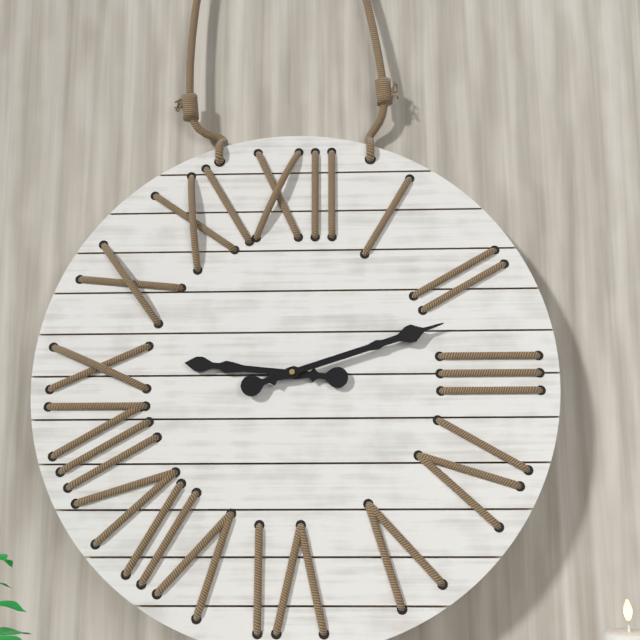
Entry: h=9 m=12
